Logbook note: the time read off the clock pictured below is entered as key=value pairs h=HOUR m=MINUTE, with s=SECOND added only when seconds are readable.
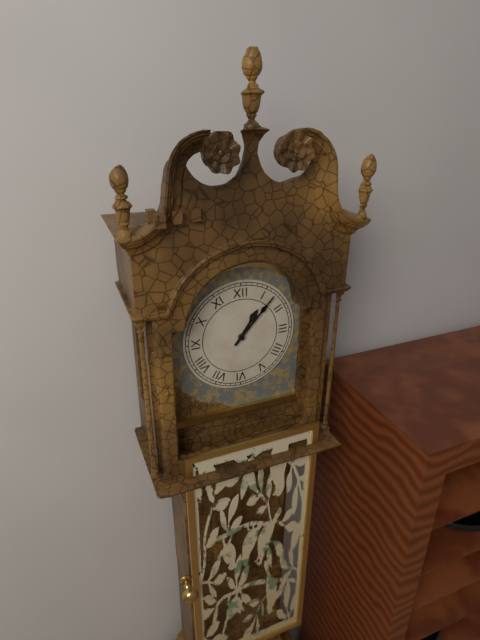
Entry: h=1 m=7
